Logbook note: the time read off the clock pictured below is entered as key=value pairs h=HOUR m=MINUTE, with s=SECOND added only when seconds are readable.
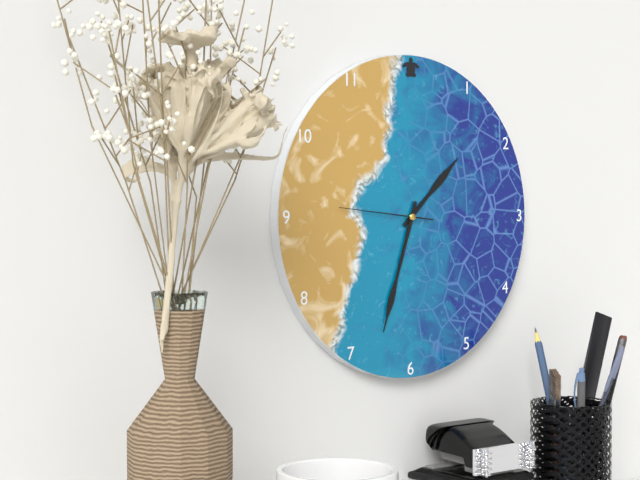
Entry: h=1 m=33 s=46
